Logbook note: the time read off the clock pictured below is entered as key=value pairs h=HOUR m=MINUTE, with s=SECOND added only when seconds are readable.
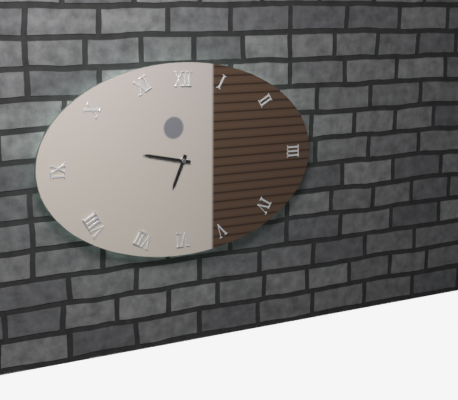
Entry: h=6 m=47
